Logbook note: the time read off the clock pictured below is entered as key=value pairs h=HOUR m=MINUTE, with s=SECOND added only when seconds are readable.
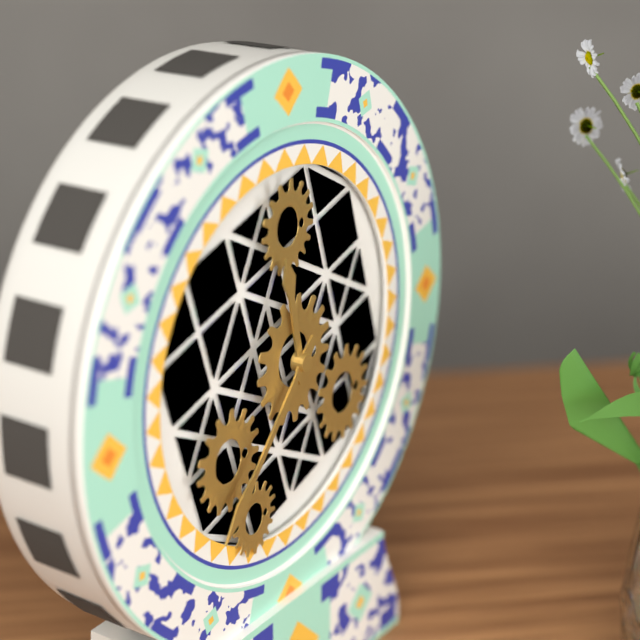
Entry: h=11 m=37
